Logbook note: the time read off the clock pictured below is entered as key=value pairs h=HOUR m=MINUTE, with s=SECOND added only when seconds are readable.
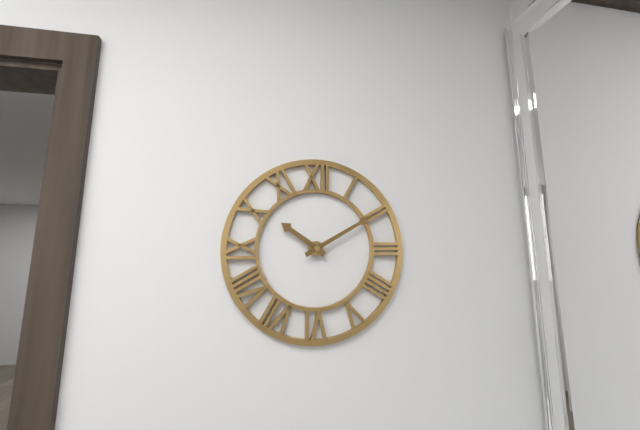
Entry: h=10 m=10
